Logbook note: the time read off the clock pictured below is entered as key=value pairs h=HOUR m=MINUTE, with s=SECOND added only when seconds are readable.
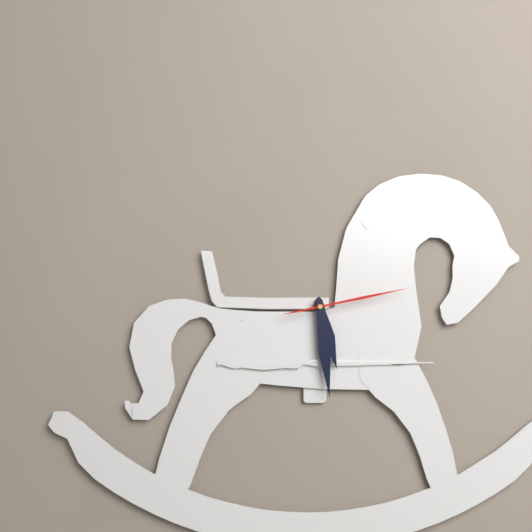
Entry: h=5 m=29 s=13
